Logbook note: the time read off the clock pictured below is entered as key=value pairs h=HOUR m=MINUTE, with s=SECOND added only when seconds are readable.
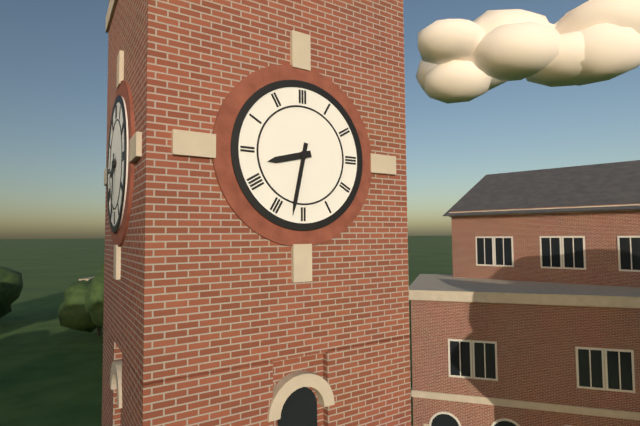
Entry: h=8 m=32
